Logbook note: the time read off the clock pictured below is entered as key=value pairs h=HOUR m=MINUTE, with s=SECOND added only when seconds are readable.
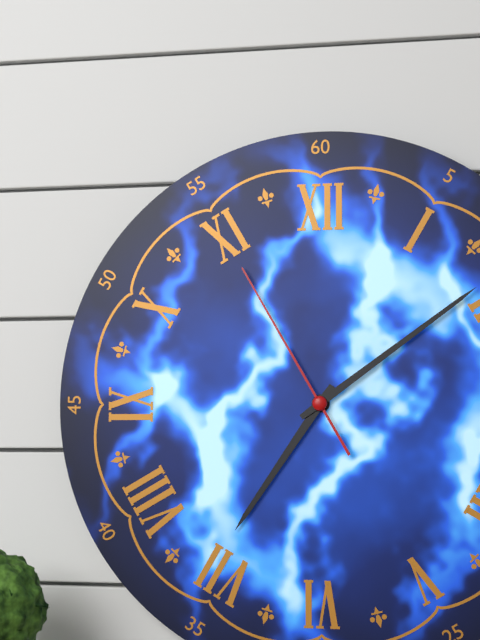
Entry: h=7 m=9 s=55
